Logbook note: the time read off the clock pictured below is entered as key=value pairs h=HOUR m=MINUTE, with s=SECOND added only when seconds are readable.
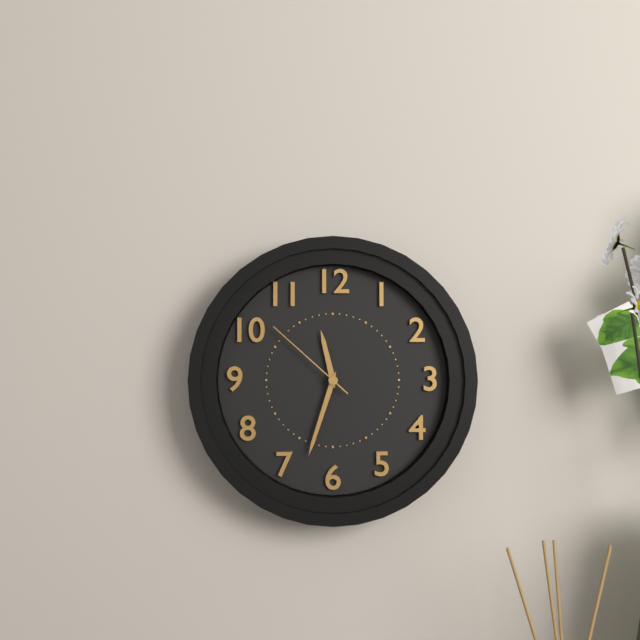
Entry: h=11 m=33 s=52
